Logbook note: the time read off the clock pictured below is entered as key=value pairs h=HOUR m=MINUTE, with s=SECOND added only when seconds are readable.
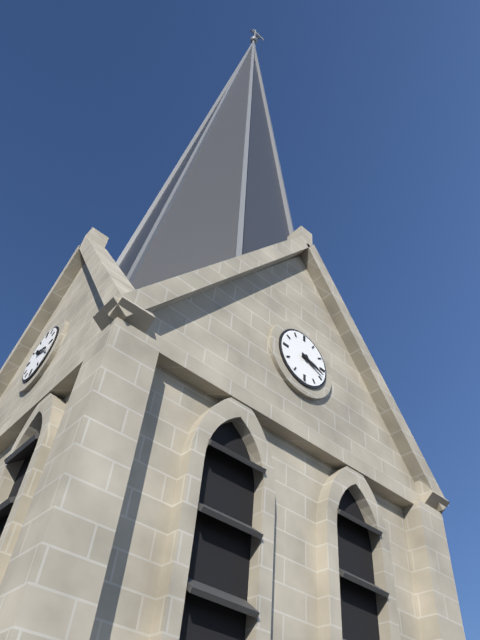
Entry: h=3 m=18
